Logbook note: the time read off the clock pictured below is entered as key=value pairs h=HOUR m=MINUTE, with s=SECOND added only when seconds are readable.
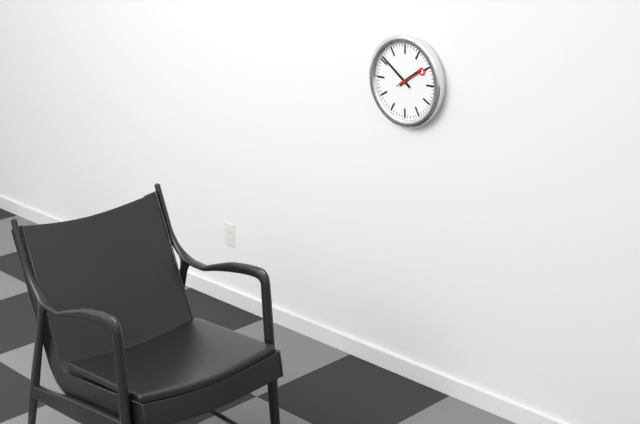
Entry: h=1 m=51
